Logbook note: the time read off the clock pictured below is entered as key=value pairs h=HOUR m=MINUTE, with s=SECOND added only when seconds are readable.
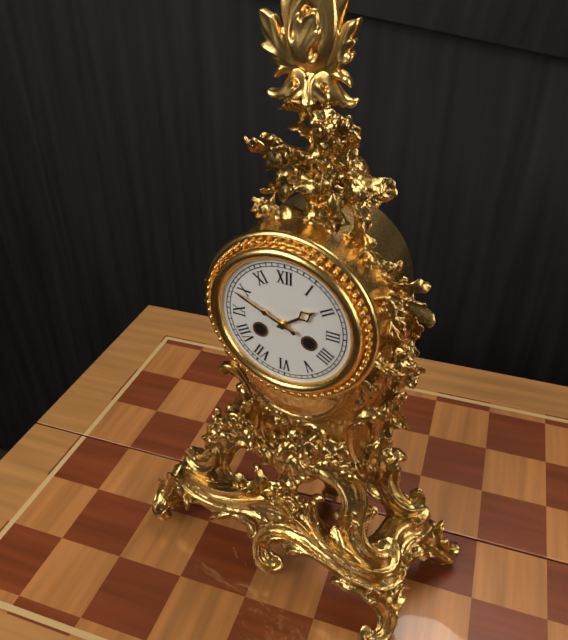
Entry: h=1 m=49
